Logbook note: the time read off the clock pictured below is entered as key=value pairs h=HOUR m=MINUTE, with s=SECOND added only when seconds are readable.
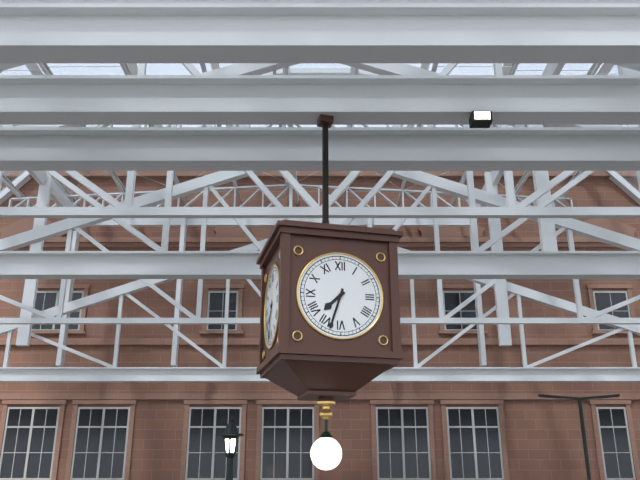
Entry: h=7 m=33
